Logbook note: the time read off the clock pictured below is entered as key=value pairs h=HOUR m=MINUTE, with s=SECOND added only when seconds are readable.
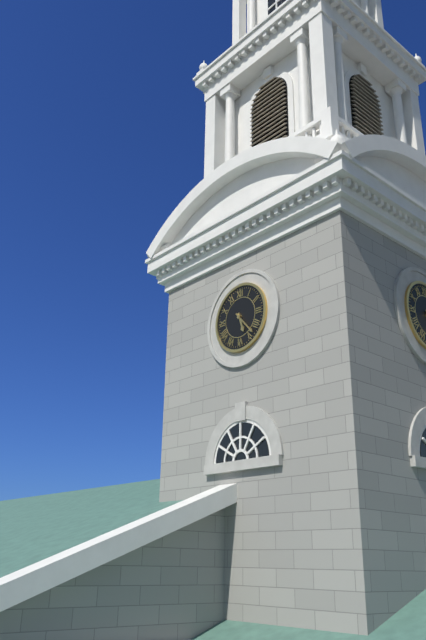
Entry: h=5 m=23
